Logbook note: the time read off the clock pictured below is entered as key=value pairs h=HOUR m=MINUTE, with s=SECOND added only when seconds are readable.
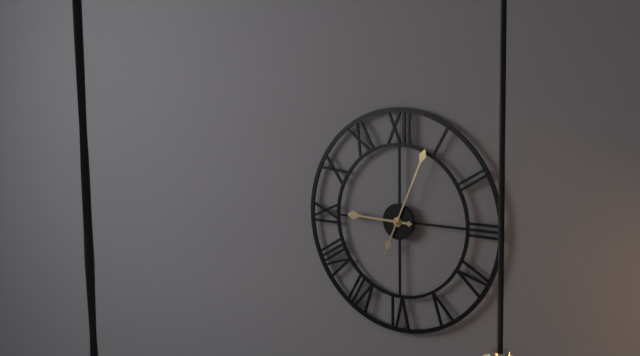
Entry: h=9 m=4
